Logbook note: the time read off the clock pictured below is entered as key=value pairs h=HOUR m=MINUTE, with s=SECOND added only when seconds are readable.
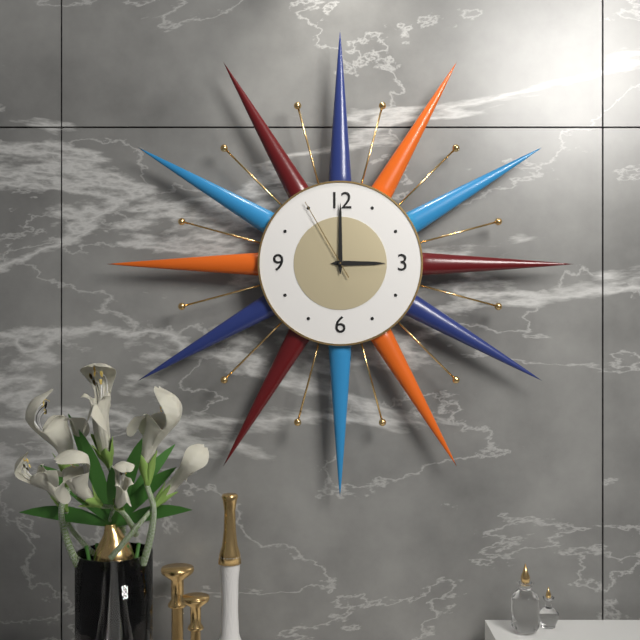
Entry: h=3 m=0 s=55
